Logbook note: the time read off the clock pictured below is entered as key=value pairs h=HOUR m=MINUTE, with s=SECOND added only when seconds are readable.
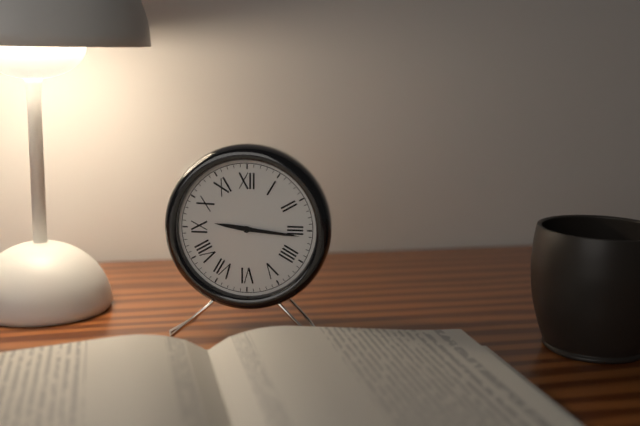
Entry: h=9 m=16
